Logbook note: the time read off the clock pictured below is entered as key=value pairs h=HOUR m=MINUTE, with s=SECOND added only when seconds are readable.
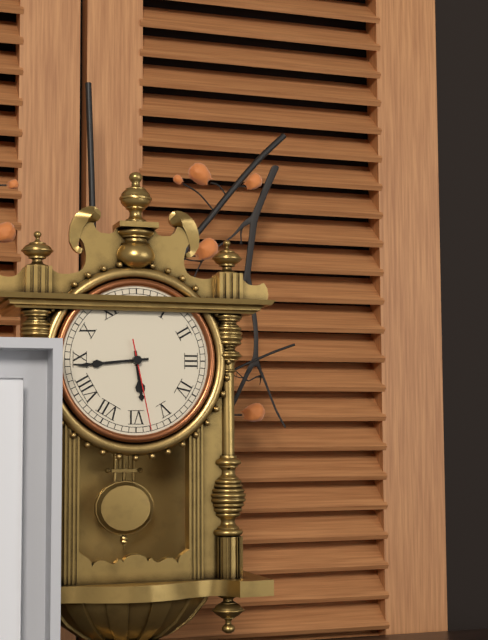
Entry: h=5 m=44 s=28
